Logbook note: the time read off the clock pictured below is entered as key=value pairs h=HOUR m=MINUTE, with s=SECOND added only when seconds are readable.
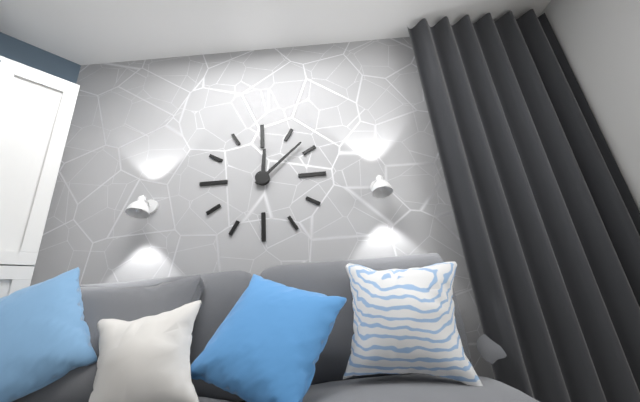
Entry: h=12 m=8
